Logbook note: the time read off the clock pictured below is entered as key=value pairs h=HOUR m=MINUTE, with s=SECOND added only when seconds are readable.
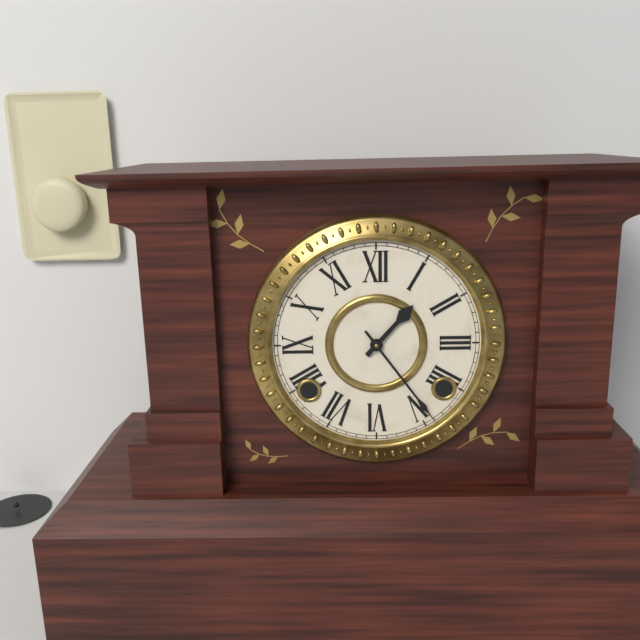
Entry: h=1 m=24
